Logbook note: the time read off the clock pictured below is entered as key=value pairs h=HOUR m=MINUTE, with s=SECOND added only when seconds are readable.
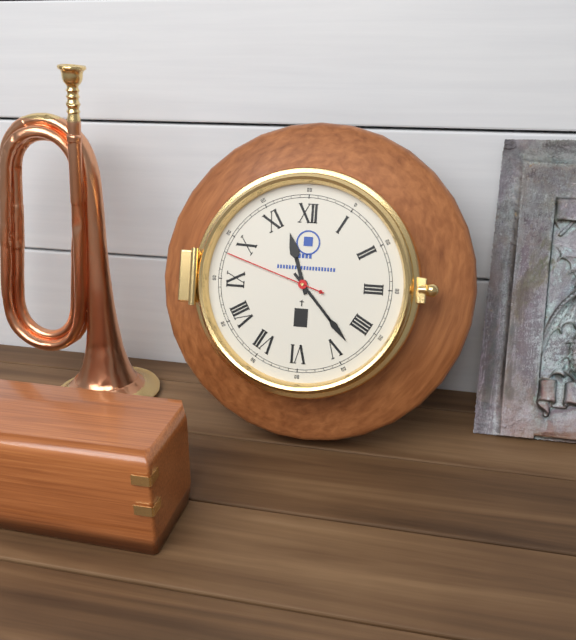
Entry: h=11 m=23 s=48
